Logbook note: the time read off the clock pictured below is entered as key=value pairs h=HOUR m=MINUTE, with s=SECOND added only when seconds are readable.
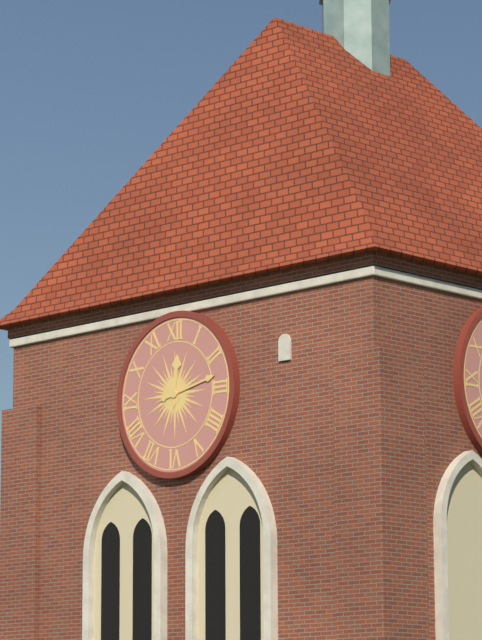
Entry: h=12 m=13
